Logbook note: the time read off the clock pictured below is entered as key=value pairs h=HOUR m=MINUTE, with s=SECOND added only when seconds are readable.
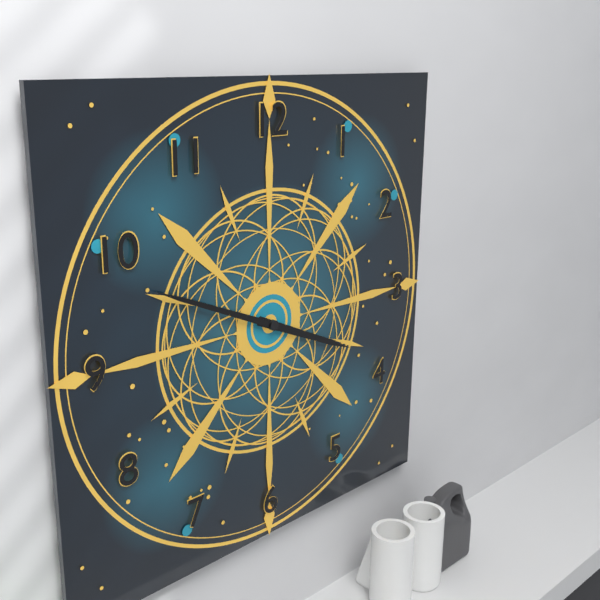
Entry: h=3 m=49
